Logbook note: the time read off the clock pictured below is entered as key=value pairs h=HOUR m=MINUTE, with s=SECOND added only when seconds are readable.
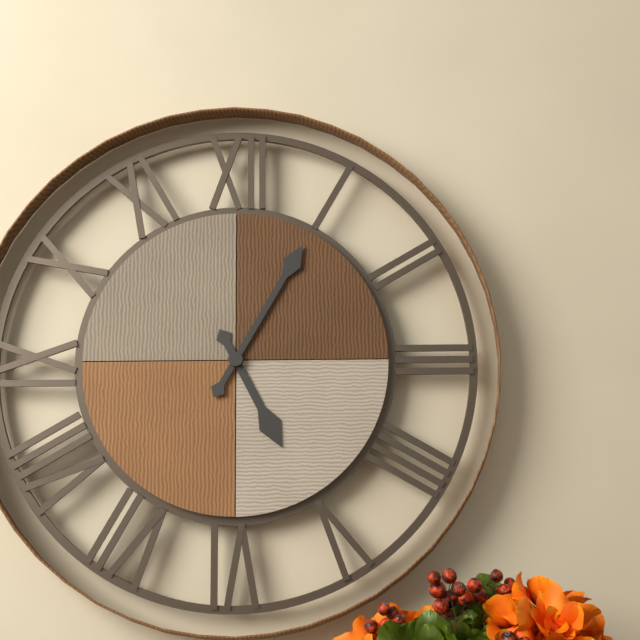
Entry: h=5 m=5
